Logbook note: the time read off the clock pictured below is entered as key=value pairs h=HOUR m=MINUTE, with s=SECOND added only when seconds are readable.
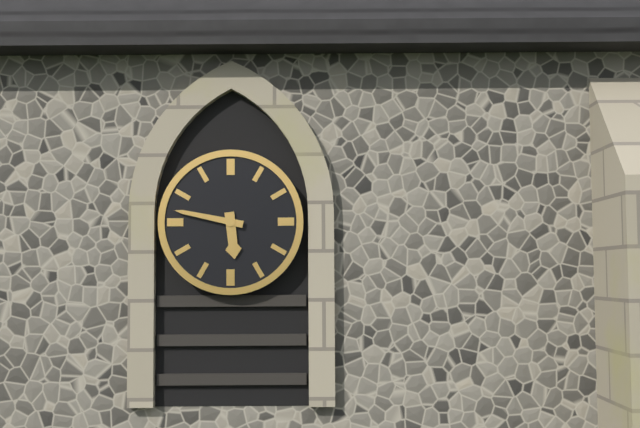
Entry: h=5 m=47
